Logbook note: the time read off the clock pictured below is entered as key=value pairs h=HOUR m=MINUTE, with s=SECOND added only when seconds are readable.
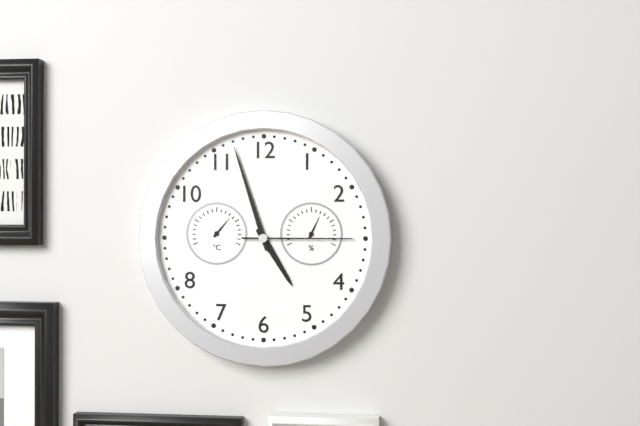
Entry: h=4 m=57 s=15
